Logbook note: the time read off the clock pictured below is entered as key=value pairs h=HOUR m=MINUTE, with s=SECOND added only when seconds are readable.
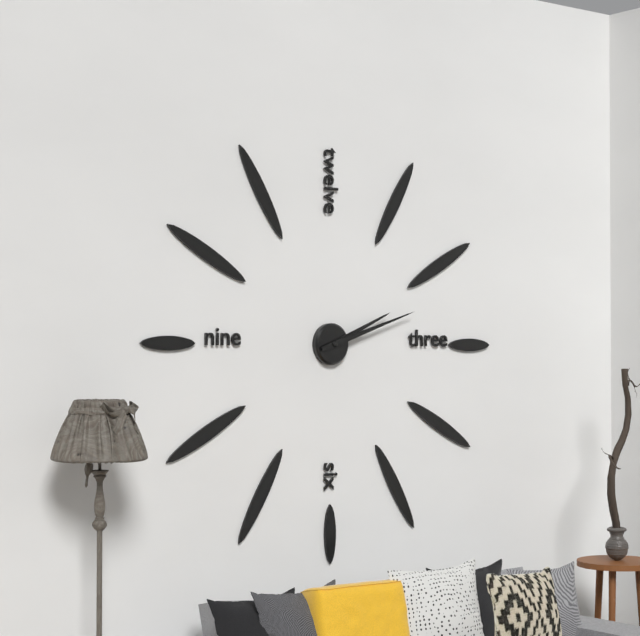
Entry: h=2 m=12
